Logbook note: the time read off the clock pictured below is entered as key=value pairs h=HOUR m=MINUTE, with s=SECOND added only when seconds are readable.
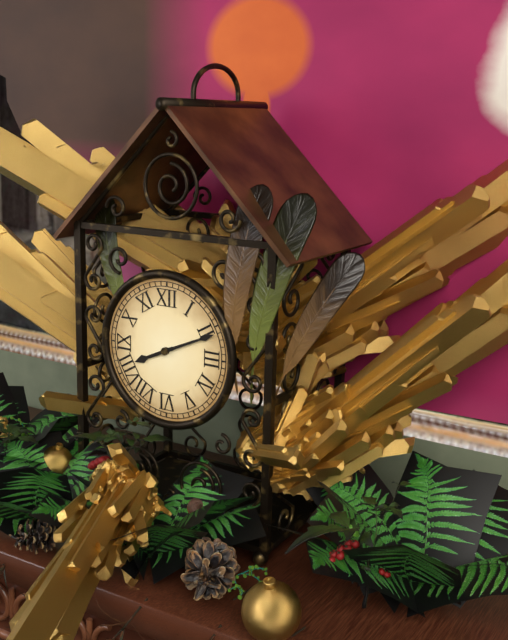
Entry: h=8 m=11
